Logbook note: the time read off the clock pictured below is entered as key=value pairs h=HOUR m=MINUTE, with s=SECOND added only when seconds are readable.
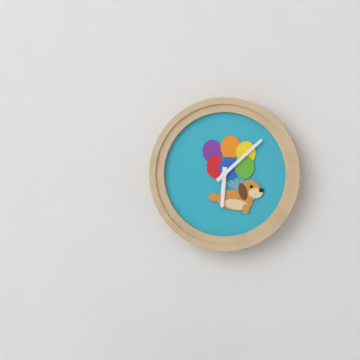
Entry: h=6 m=8
